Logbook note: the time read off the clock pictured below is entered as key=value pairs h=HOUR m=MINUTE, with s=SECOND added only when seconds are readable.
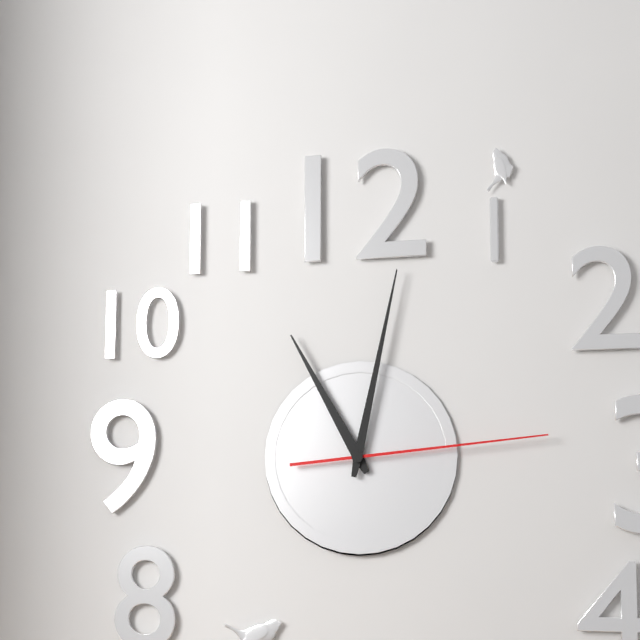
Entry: h=11 m=2 s=14
